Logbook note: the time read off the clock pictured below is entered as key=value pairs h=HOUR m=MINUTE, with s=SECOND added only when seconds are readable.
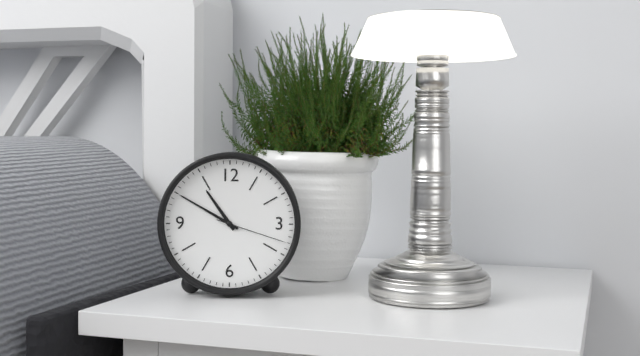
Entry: h=10 m=50 s=18
